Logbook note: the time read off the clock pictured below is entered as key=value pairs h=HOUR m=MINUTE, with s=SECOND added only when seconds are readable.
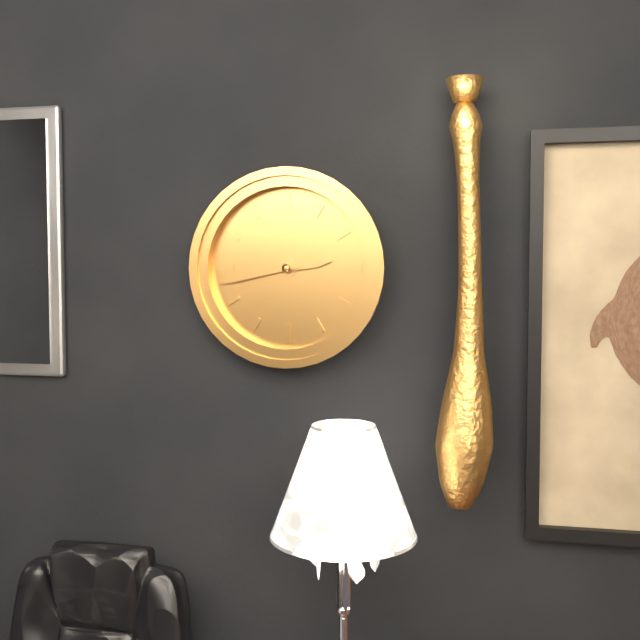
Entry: h=2 m=43
